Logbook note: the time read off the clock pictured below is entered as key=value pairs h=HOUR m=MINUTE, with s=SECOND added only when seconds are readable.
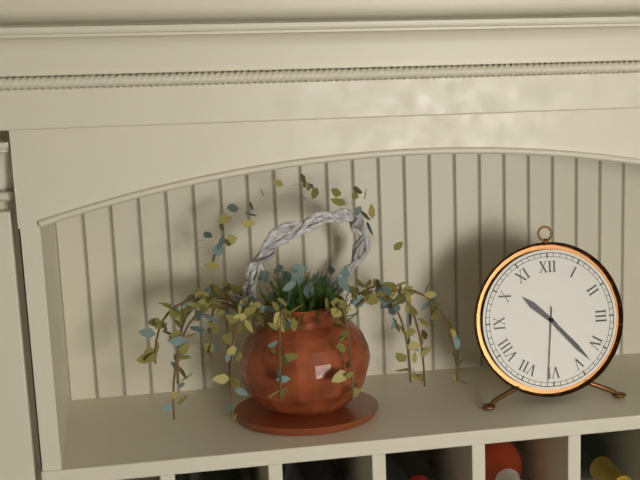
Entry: h=10 m=23 s=31
